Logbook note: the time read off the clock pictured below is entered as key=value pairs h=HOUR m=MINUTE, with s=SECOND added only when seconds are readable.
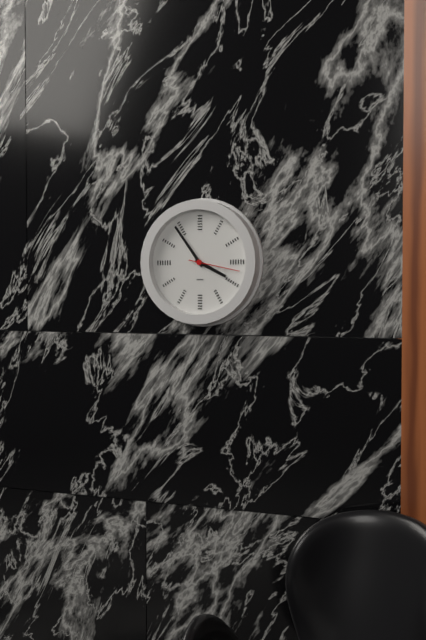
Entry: h=3 m=54 s=17
